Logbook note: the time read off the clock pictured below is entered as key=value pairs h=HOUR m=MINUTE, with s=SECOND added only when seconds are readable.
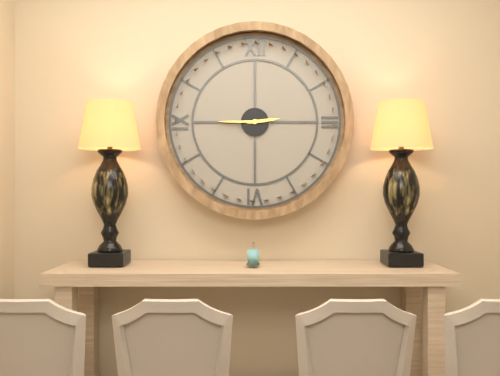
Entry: h=2 m=45
